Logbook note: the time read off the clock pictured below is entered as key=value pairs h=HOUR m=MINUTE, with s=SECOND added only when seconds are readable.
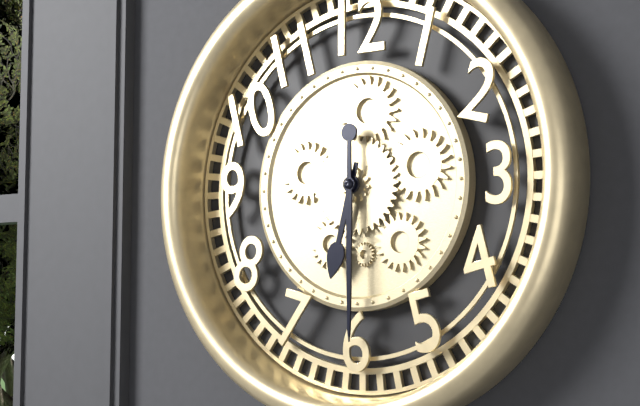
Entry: h=6 m=30
